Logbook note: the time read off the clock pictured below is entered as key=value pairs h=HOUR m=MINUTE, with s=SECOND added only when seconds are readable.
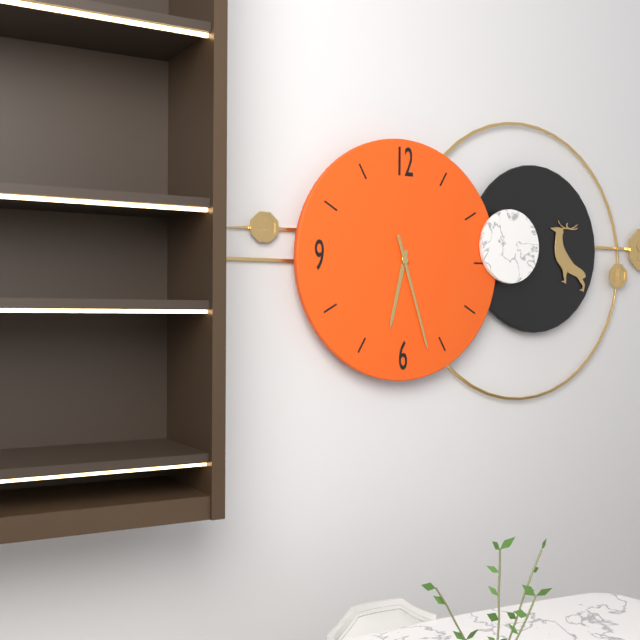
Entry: h=6 m=27
